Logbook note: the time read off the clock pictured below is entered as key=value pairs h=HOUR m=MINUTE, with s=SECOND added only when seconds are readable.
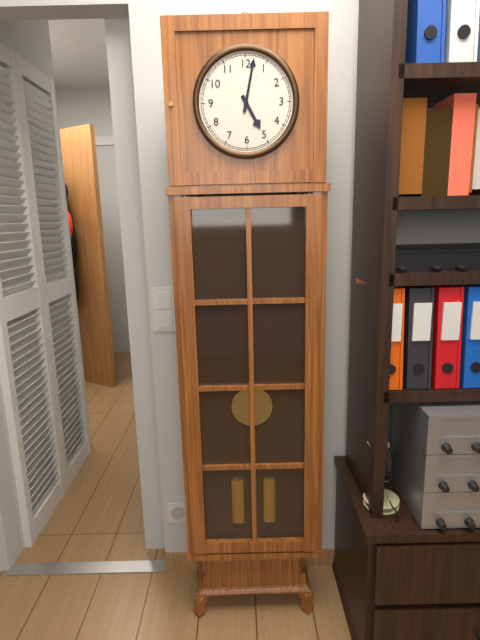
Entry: h=5 m=2
